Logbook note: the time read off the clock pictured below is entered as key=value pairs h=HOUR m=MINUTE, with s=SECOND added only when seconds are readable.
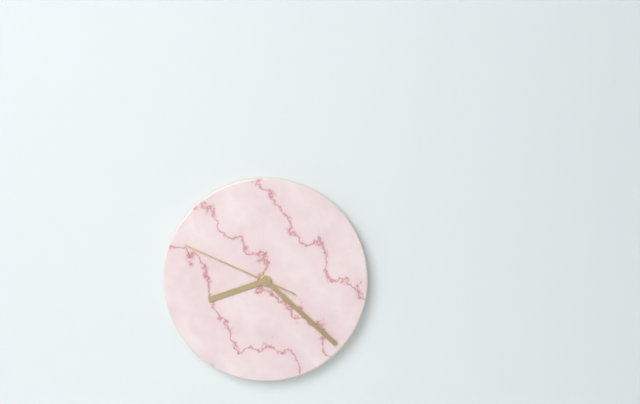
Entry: h=8 m=22 s=49
